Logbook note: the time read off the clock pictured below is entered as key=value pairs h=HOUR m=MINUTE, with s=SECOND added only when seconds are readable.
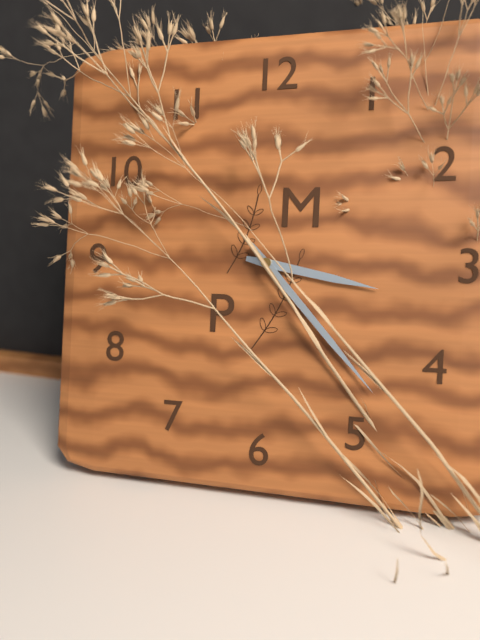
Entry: h=3 m=23
